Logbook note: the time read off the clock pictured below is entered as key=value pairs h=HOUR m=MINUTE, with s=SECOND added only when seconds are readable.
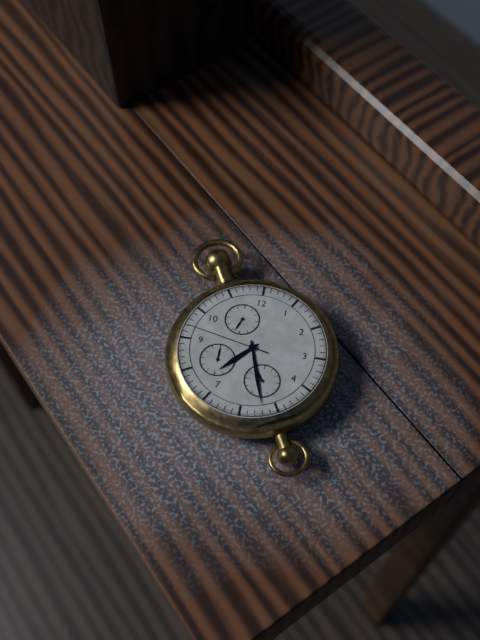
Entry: h=7 m=27 s=47
